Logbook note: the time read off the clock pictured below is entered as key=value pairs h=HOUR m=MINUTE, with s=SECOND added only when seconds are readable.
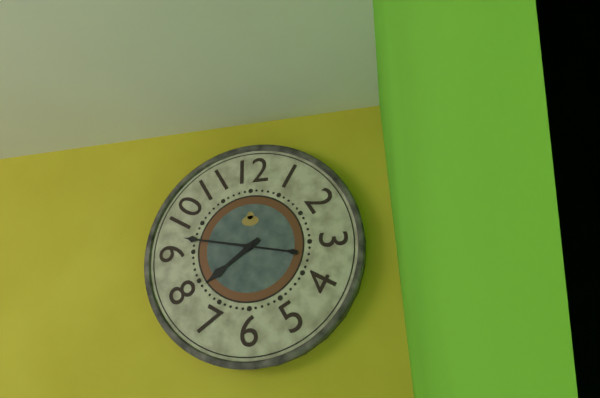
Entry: h=7 m=47
